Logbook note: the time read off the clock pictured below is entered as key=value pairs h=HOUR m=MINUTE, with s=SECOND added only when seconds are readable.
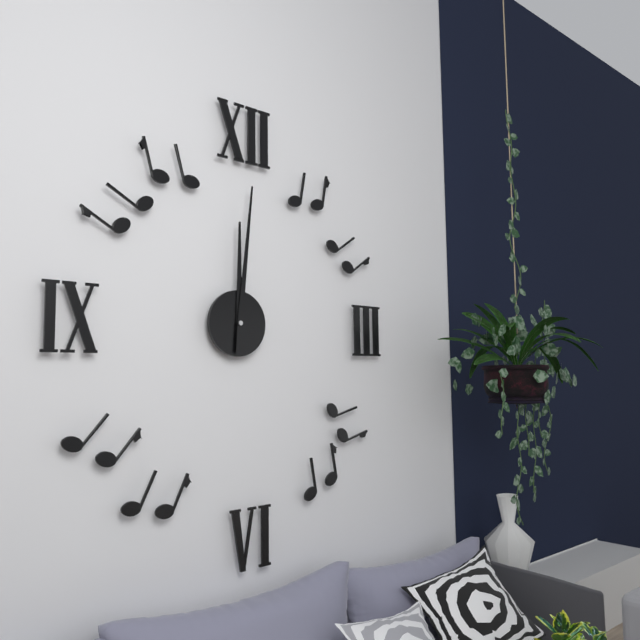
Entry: h=12 m=1
